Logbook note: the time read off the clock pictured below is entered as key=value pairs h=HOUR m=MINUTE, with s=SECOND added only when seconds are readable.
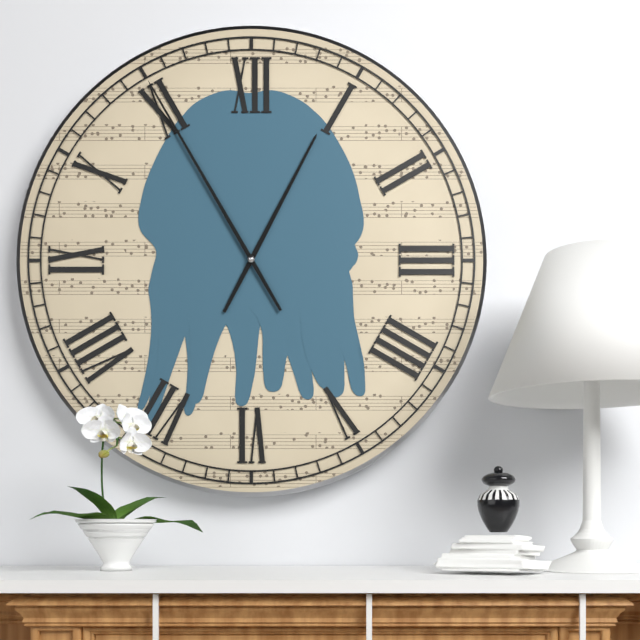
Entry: h=12 m=55
